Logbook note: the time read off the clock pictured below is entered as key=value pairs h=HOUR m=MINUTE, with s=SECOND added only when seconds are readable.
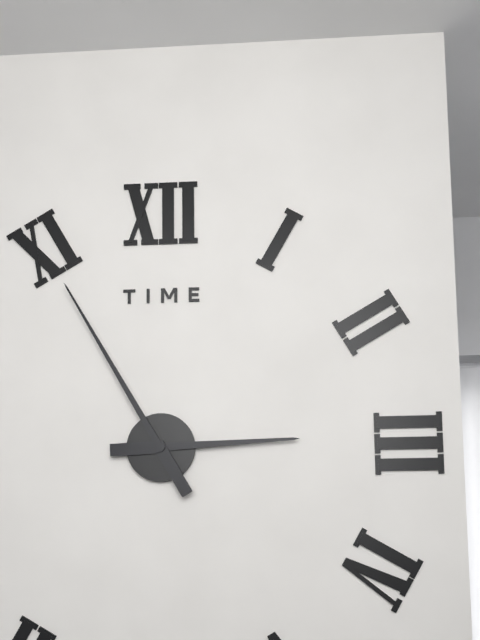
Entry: h=2 m=55
